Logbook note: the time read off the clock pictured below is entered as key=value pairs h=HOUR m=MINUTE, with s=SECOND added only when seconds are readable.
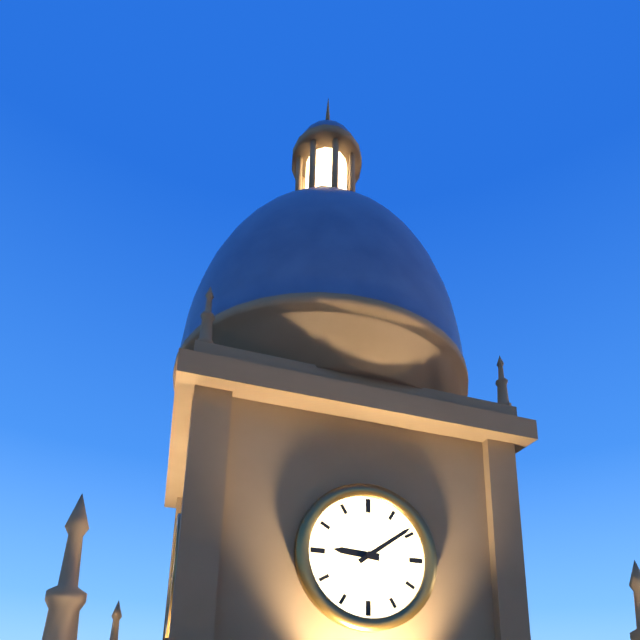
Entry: h=9 m=9
